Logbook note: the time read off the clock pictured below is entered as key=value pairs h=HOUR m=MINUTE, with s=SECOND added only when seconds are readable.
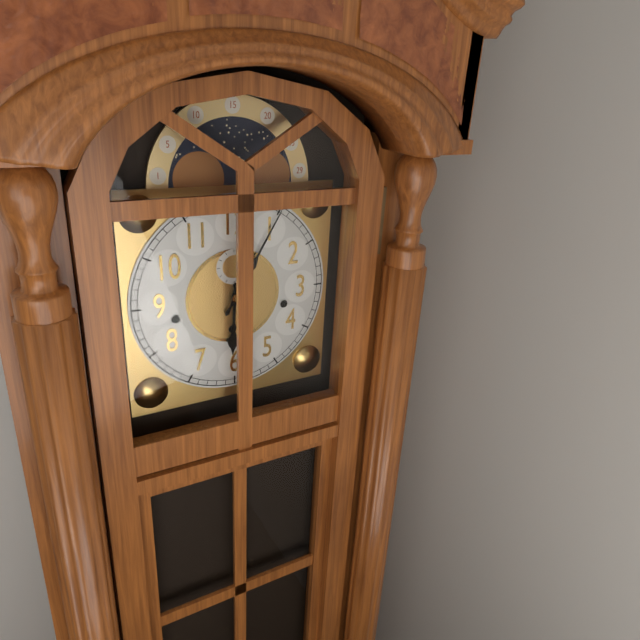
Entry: h=6 m=5
